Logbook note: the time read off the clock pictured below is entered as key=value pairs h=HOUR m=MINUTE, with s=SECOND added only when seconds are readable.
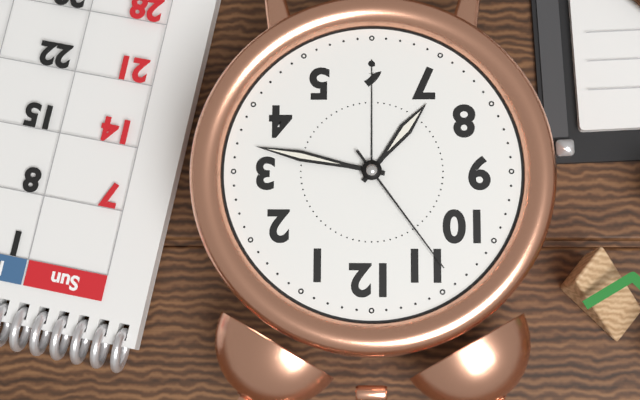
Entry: h=7 m=17 s=54
